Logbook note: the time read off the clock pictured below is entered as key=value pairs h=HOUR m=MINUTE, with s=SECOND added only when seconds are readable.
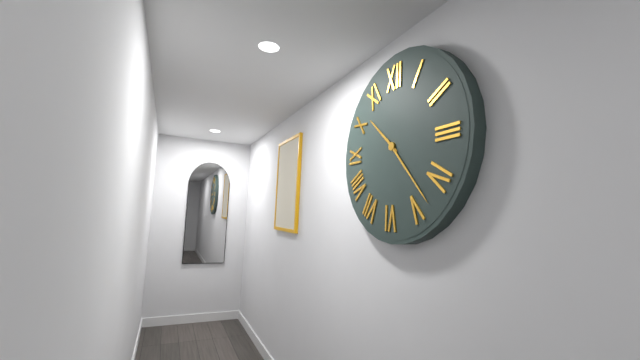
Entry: h=10 m=23
